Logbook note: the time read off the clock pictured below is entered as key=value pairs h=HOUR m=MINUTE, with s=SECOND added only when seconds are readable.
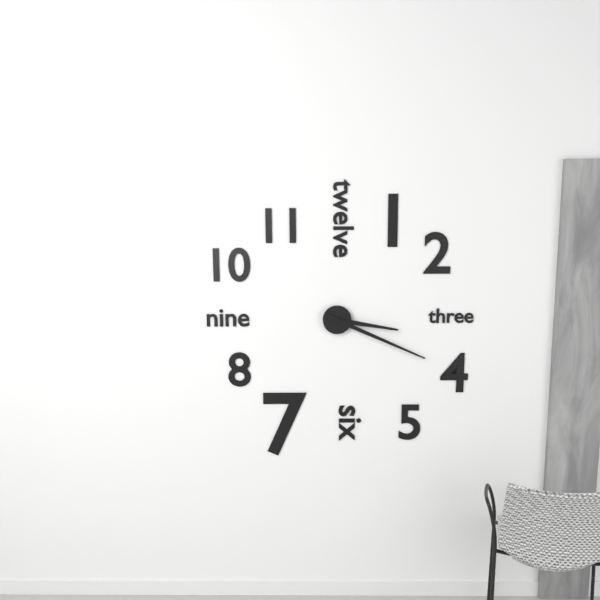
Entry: h=3 m=19
